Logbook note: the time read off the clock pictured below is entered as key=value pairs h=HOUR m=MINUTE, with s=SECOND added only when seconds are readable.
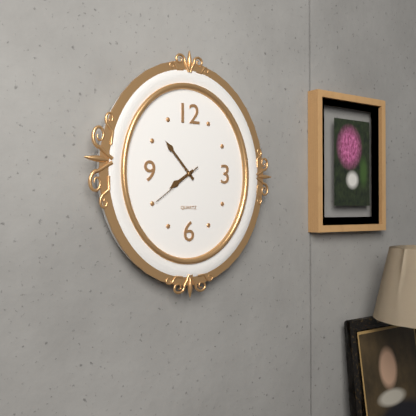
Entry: h=7 m=53
